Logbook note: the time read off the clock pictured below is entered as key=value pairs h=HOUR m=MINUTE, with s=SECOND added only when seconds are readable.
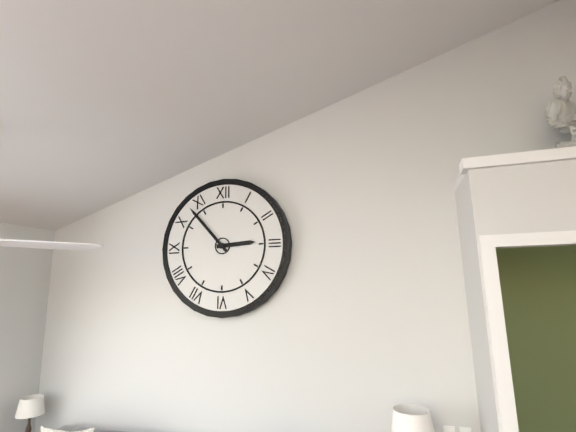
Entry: h=2 m=53
